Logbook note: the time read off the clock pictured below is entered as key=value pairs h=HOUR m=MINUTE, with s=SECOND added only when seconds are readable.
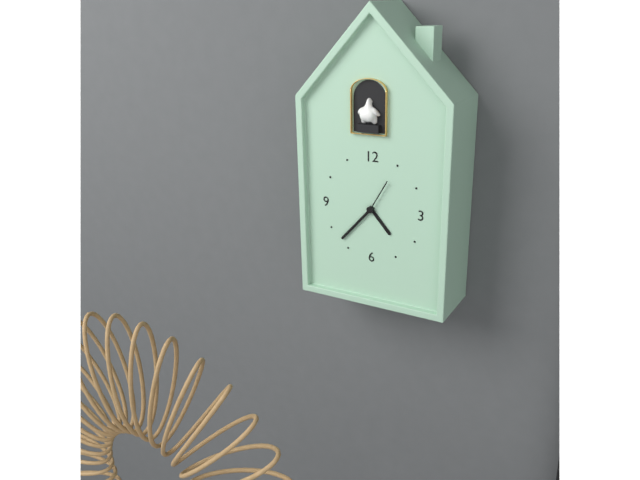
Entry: h=4 m=37
